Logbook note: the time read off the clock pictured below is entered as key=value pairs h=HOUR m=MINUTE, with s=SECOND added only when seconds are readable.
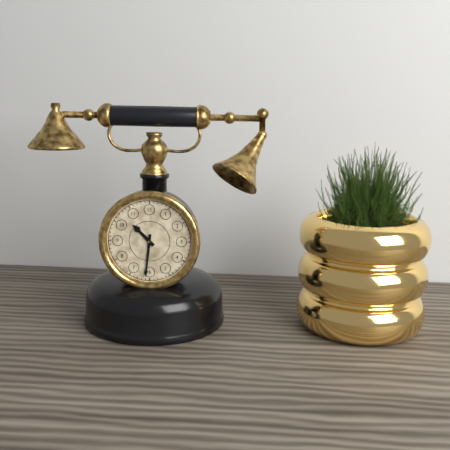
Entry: h=10 m=31
